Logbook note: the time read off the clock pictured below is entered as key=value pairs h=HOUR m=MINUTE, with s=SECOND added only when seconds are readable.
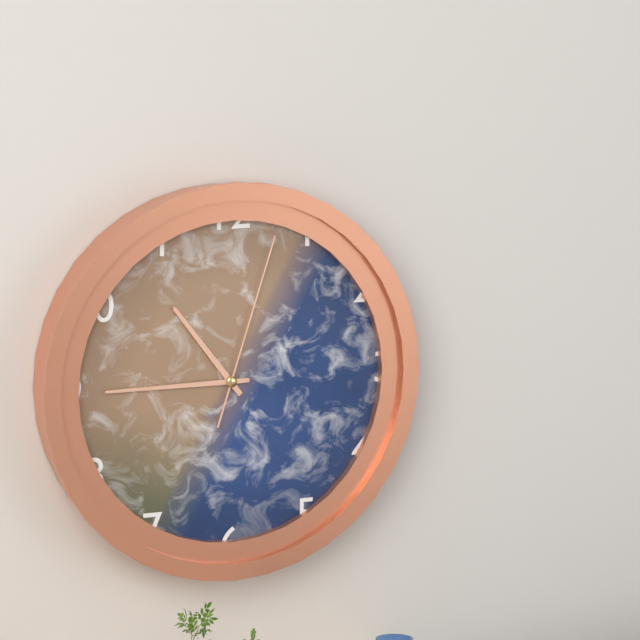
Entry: h=10 m=45 s=3
